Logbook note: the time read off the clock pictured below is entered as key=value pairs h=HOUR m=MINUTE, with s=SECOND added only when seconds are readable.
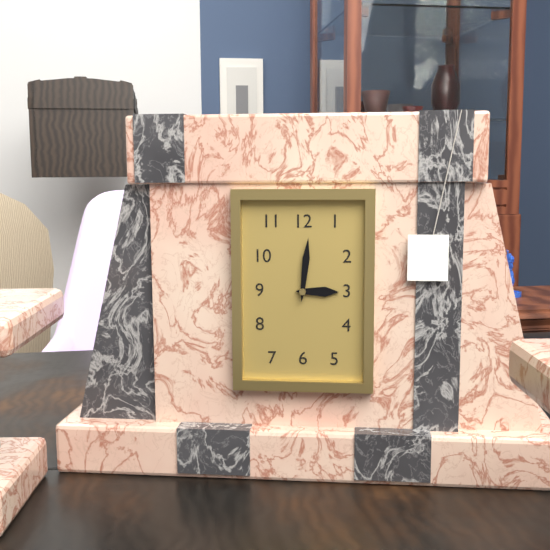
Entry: h=3 m=1
